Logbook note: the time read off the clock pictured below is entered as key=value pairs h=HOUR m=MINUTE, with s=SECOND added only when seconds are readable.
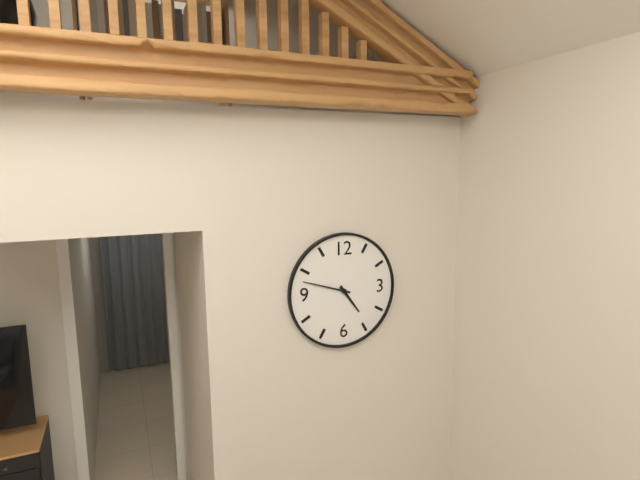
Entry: h=4 m=48
